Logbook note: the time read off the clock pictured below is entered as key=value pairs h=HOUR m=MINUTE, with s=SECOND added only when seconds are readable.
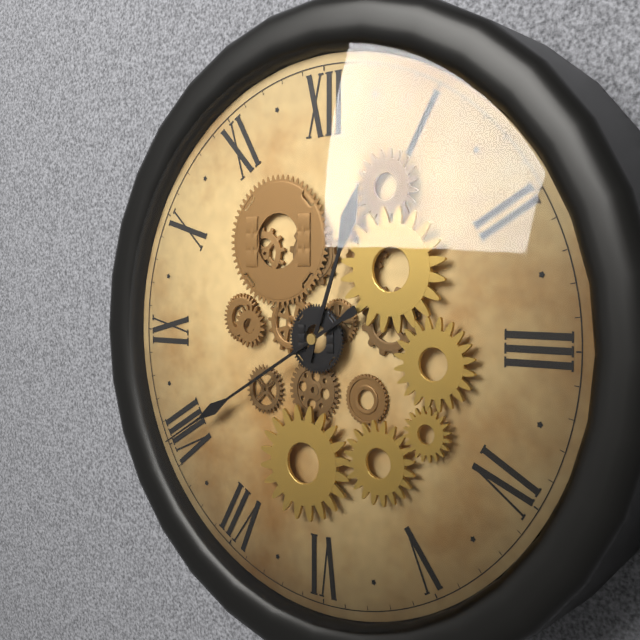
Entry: h=12 m=40
